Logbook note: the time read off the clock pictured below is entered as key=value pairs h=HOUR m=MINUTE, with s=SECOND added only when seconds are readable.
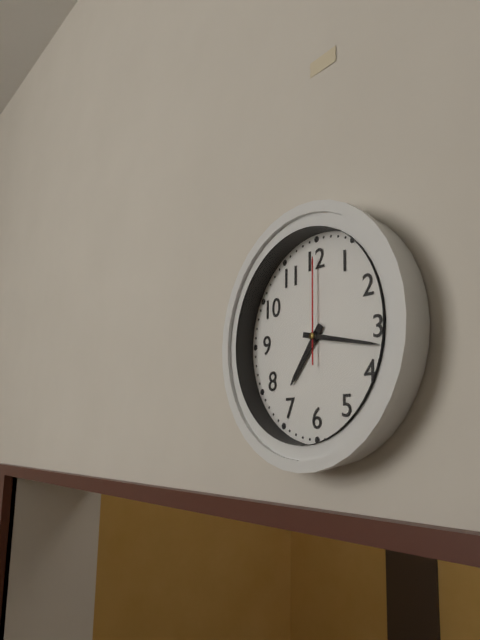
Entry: h=7 m=17 s=0
